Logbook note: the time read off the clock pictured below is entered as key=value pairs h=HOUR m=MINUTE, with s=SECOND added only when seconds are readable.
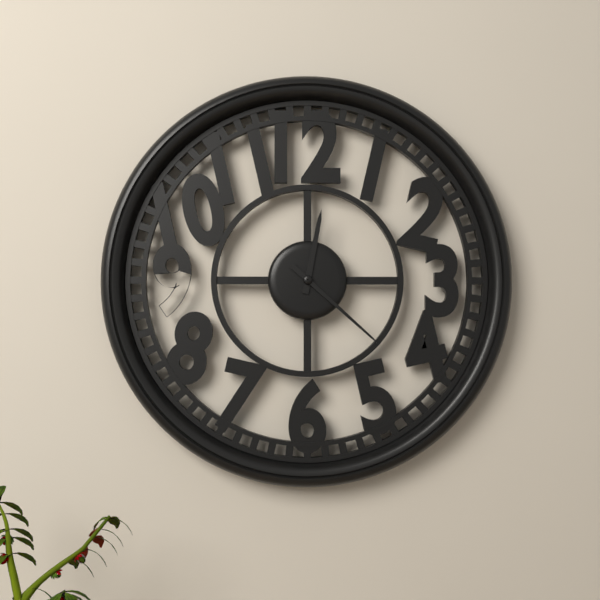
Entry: h=12 m=22
